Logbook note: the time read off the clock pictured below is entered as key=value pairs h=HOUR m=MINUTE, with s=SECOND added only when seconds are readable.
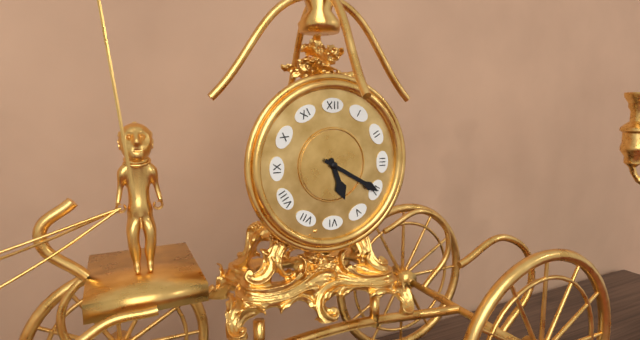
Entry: h=5 m=20
